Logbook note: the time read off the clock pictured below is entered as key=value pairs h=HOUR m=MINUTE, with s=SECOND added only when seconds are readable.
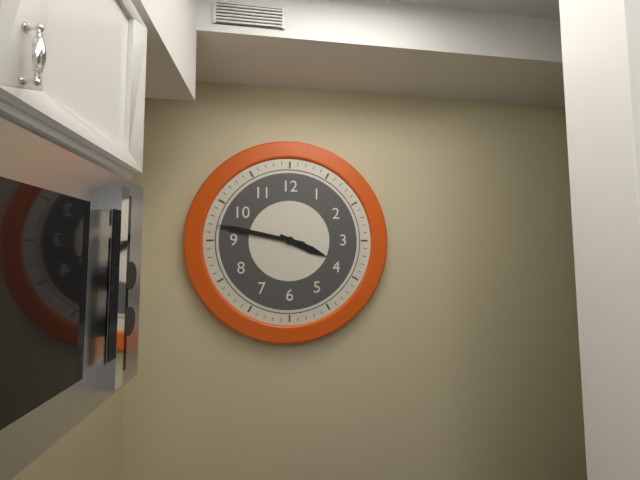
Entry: h=3 m=47
